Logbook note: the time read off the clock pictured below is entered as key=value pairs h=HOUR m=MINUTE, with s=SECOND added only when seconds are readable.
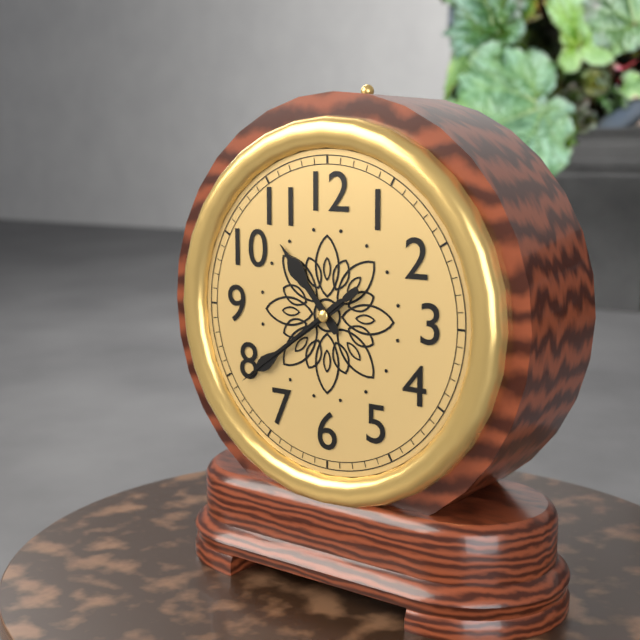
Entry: h=10 m=39 s=39
